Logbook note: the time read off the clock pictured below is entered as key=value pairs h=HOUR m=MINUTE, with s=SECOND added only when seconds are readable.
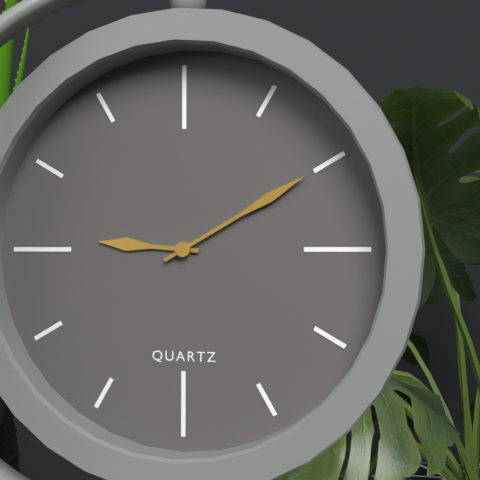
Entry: h=9 m=10
